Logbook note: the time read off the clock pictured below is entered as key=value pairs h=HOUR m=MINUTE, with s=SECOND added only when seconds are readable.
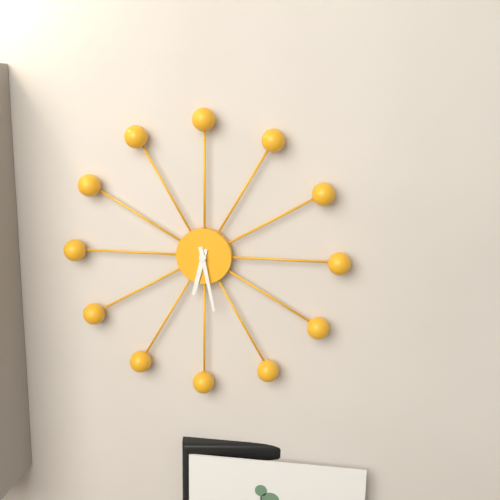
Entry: h=6 m=28
